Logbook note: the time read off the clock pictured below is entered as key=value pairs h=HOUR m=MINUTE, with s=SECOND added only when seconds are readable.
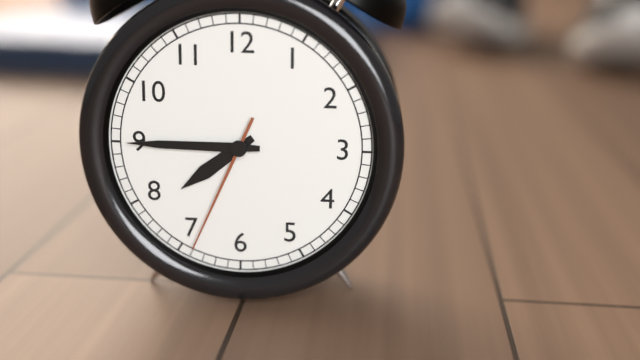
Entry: h=7 m=45 s=34
